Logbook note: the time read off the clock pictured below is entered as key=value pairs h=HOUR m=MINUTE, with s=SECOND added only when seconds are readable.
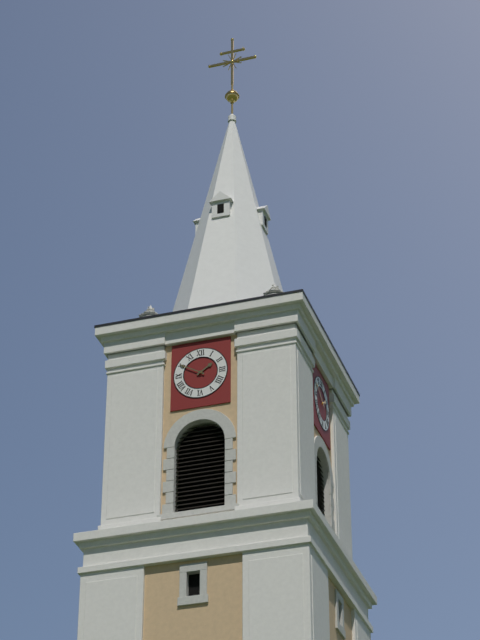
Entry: h=1 m=50
